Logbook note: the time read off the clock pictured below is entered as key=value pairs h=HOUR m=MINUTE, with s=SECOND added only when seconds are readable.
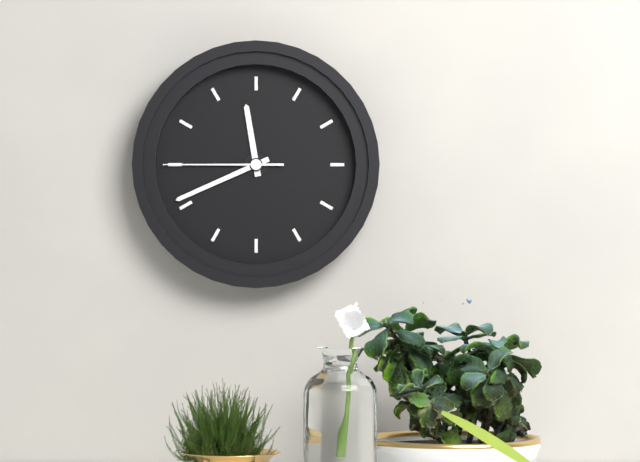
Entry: h=11 m=41 s=45
